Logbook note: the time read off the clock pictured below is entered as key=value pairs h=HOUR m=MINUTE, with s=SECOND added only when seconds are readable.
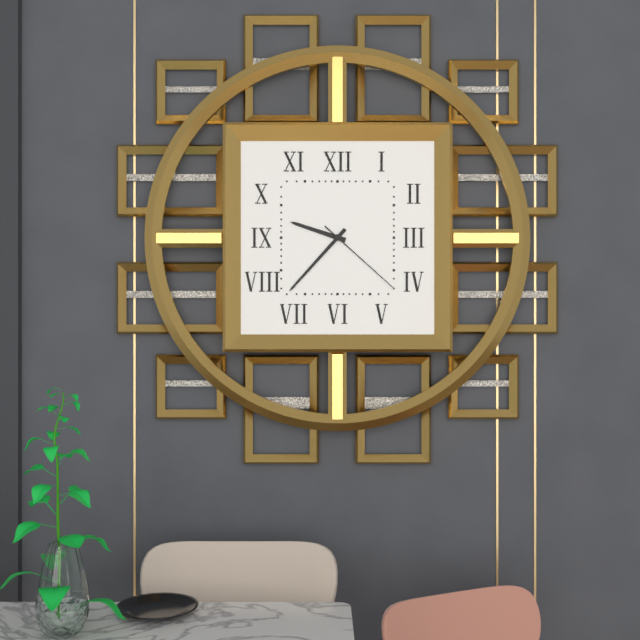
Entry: h=9 m=37 s=22
